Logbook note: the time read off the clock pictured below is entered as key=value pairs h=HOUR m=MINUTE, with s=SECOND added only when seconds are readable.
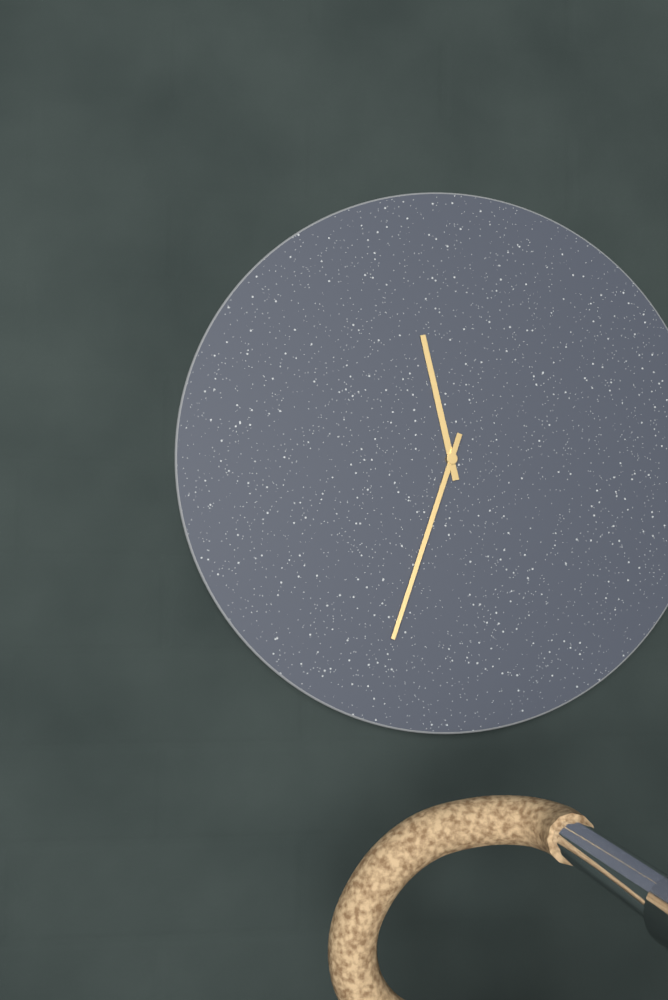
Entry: h=11 m=33
